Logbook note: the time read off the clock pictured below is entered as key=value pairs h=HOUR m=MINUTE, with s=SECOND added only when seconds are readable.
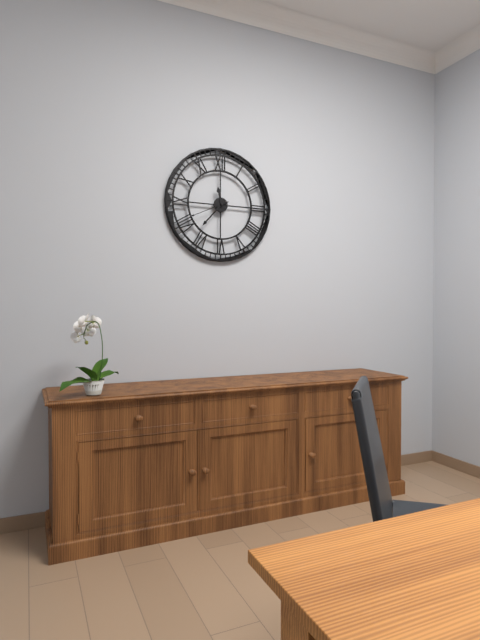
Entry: h=11 m=37
